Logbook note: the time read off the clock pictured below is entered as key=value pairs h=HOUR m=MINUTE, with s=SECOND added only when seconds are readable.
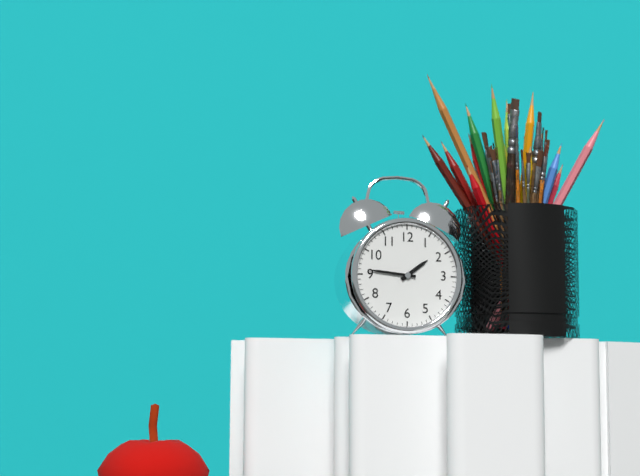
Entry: h=1 m=46
